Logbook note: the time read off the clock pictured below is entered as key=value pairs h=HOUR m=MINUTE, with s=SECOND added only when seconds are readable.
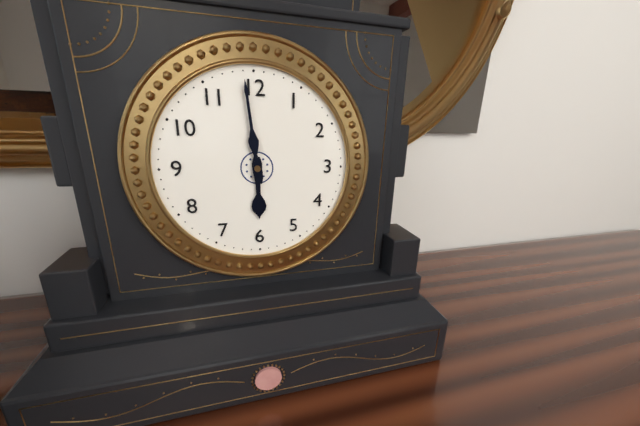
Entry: h=5 m=59
